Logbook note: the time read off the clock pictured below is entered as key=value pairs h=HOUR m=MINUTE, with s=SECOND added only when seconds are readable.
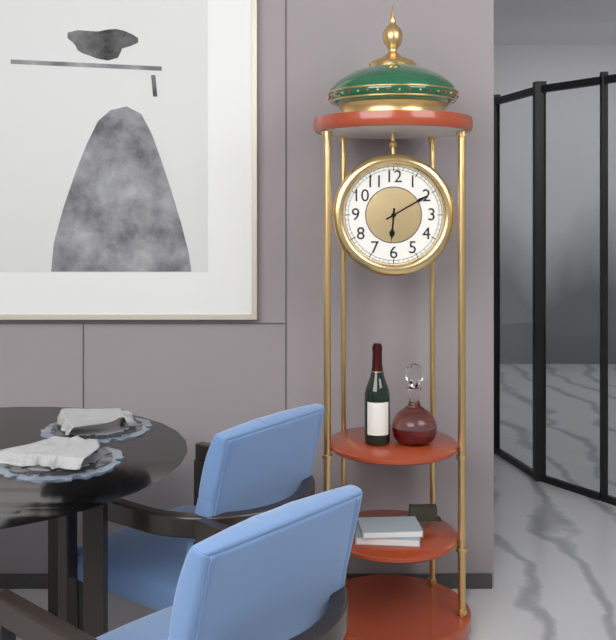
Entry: h=6 m=10
